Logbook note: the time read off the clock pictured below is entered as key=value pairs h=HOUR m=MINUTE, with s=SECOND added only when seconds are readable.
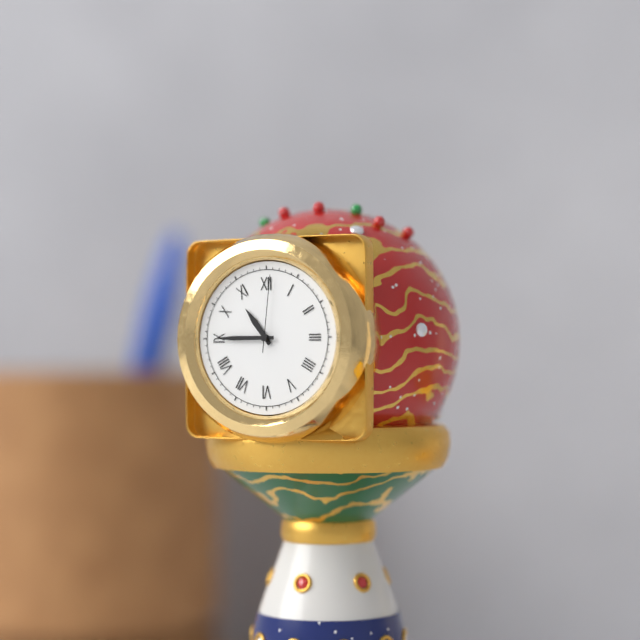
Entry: h=10 m=45 s=1
